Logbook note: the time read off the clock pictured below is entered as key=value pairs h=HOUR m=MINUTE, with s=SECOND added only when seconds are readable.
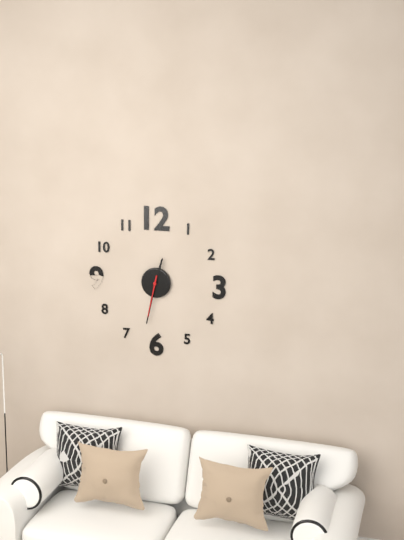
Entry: h=12 m=32
